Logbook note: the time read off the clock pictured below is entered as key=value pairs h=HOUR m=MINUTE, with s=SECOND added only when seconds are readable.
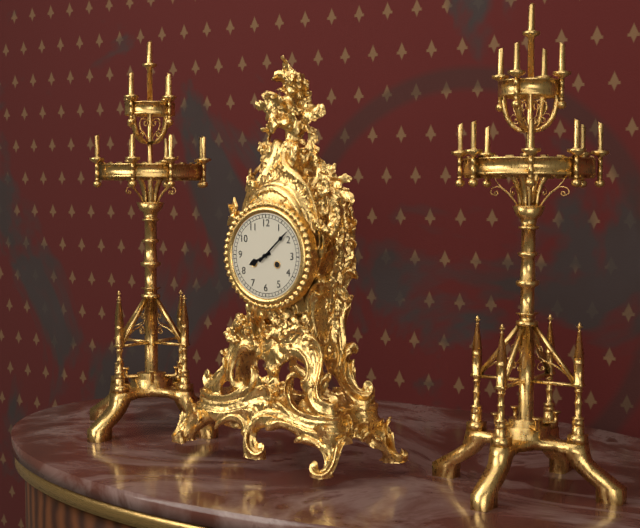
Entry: h=8 m=8
